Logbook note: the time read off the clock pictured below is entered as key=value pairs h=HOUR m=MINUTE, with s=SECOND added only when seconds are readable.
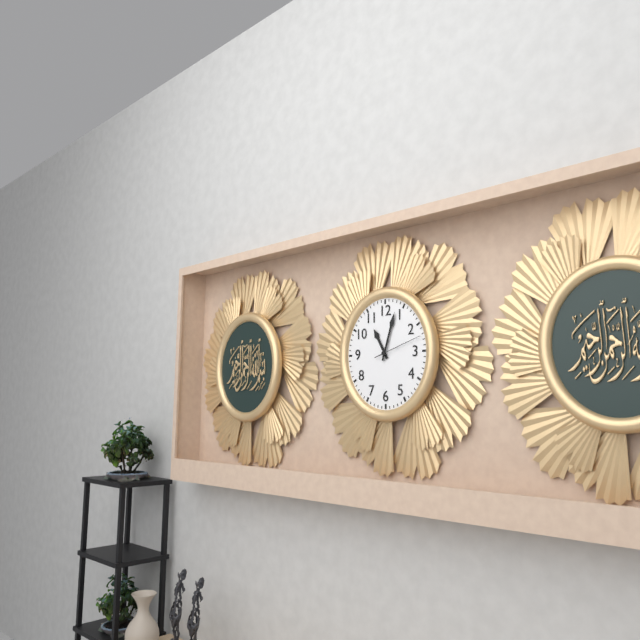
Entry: h=11 m=3 s=12
